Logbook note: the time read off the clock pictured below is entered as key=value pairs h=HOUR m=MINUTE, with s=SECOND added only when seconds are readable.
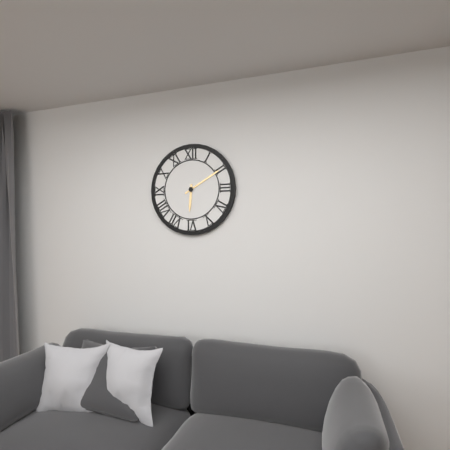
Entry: h=6 m=10
